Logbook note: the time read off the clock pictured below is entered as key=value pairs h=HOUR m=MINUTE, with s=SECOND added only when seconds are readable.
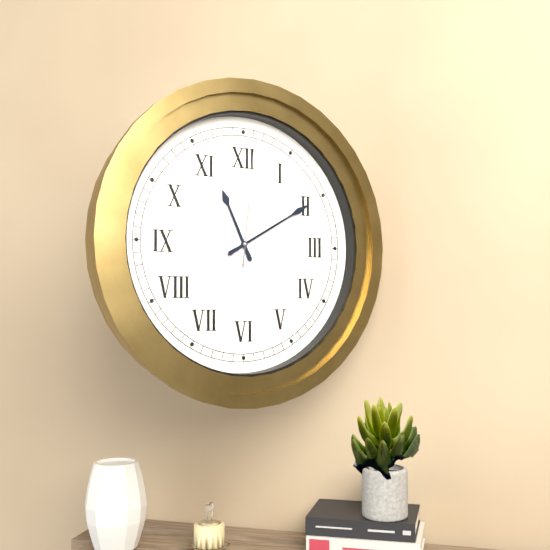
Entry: h=11 m=10 s=1
